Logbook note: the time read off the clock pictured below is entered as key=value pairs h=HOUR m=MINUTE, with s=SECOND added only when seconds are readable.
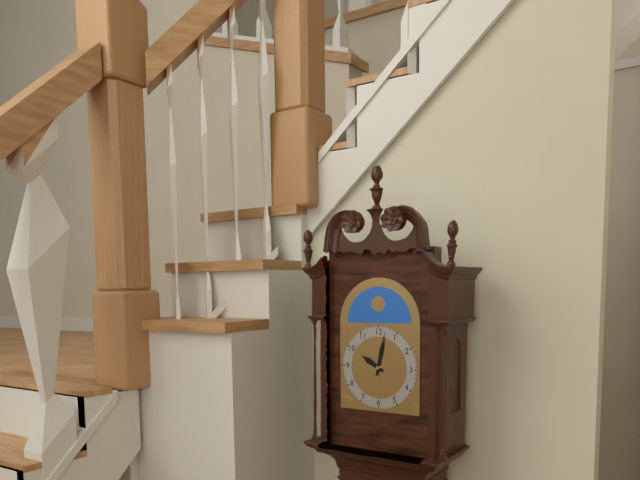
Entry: h=10 m=2
